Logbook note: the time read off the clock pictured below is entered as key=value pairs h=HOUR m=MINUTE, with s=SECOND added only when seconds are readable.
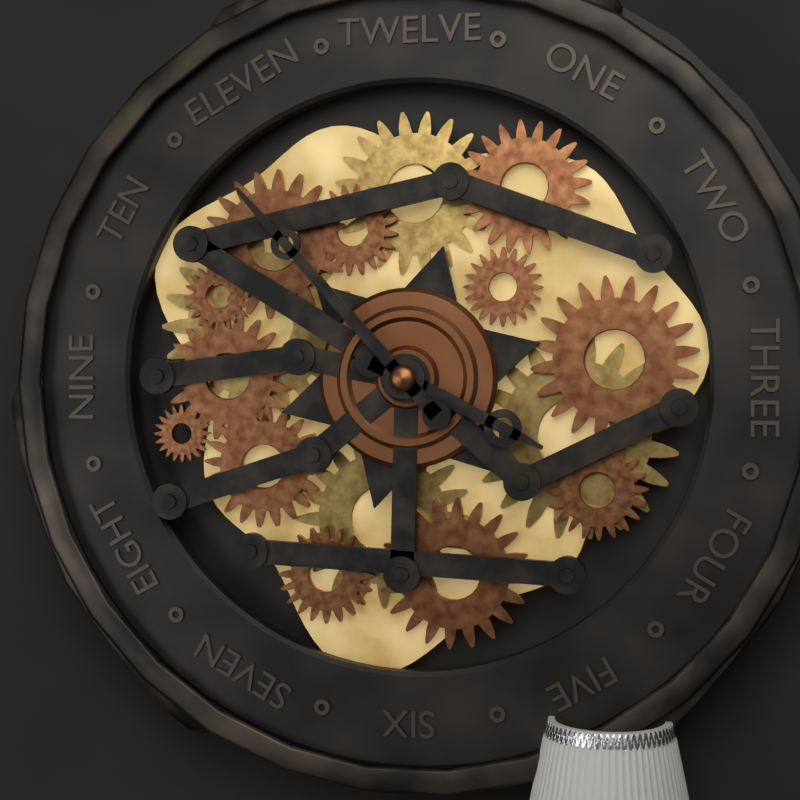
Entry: h=3 m=53
